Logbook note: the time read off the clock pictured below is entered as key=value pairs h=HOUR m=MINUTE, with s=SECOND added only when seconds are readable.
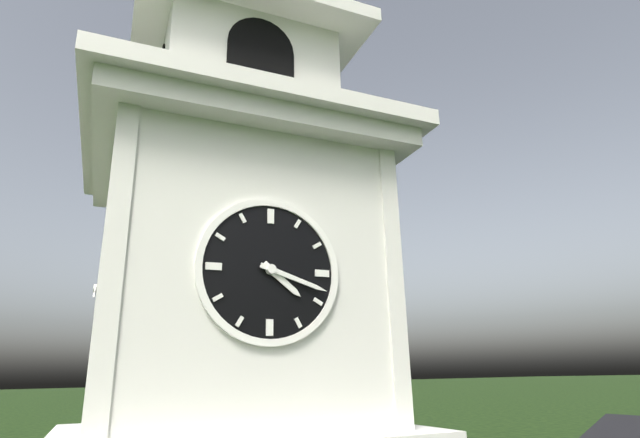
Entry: h=4 m=18
